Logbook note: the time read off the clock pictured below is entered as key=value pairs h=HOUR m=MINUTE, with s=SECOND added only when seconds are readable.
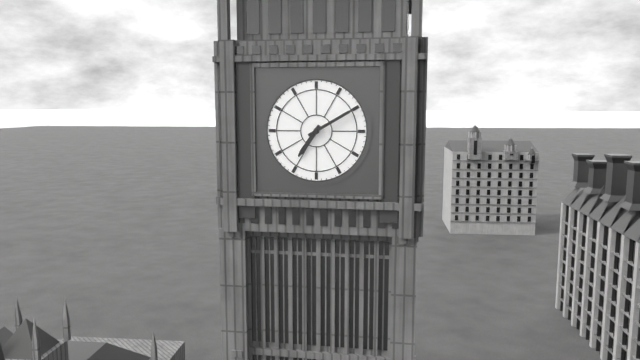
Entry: h=7 m=10
